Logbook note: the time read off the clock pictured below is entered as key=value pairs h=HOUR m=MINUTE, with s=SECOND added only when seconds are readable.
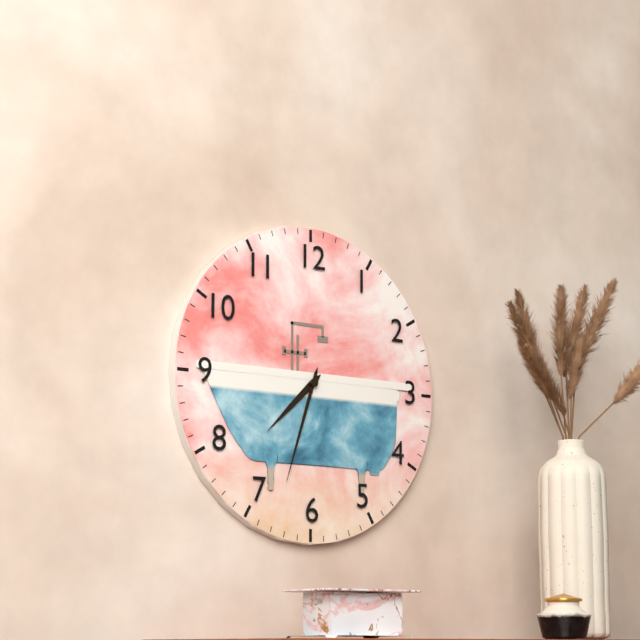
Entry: h=7 m=33
